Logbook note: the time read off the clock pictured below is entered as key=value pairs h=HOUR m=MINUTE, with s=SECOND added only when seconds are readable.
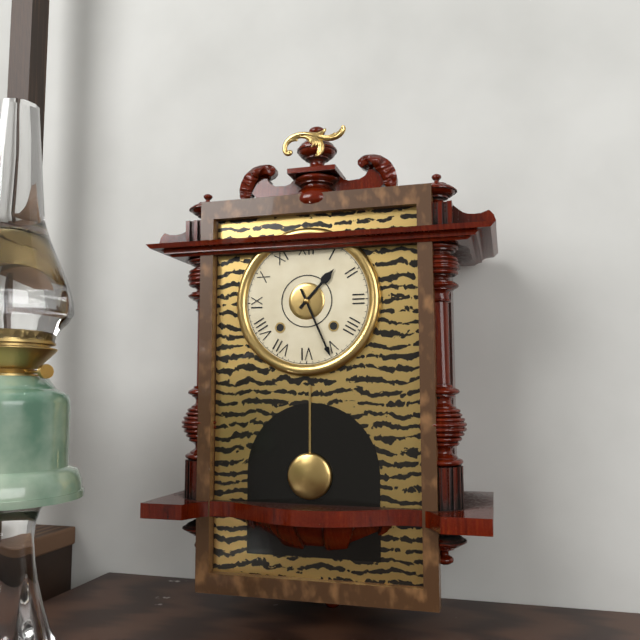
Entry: h=1 m=26
